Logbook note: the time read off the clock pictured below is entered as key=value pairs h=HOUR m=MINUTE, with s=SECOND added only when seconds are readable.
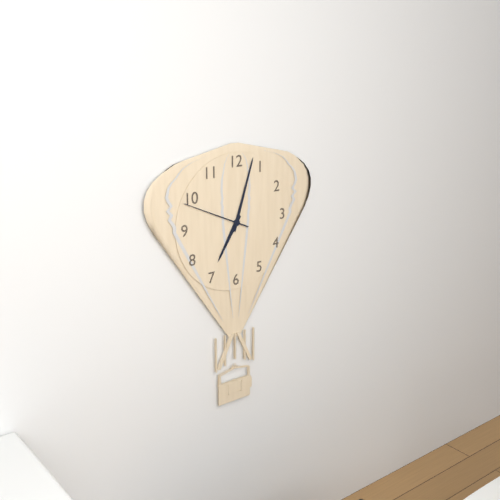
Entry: h=7 m=3 s=49
